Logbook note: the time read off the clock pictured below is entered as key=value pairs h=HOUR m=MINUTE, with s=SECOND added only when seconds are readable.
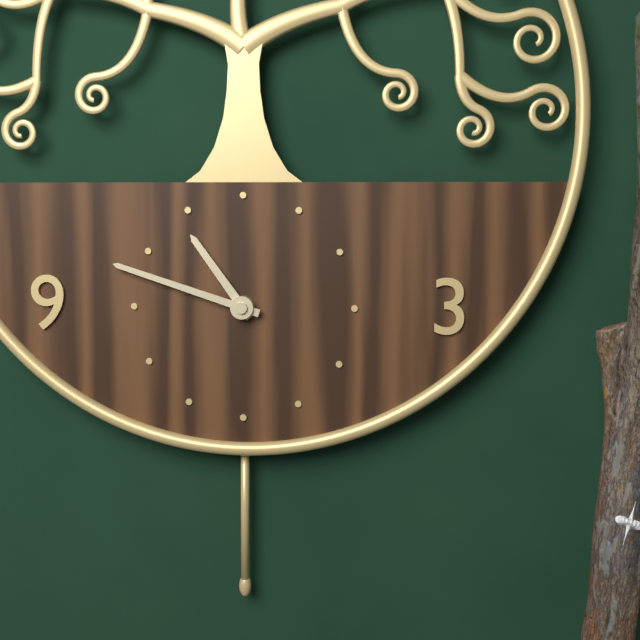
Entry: h=10 m=48
